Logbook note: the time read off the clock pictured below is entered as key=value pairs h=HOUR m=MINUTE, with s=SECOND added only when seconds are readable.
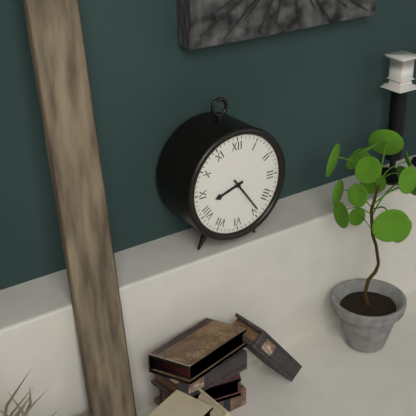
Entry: h=8 m=24
